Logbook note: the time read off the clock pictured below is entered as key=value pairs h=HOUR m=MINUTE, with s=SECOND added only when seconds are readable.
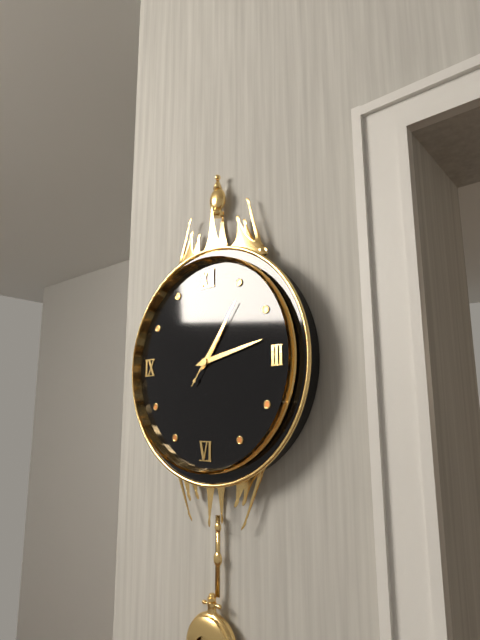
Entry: h=1 m=13 s=6
